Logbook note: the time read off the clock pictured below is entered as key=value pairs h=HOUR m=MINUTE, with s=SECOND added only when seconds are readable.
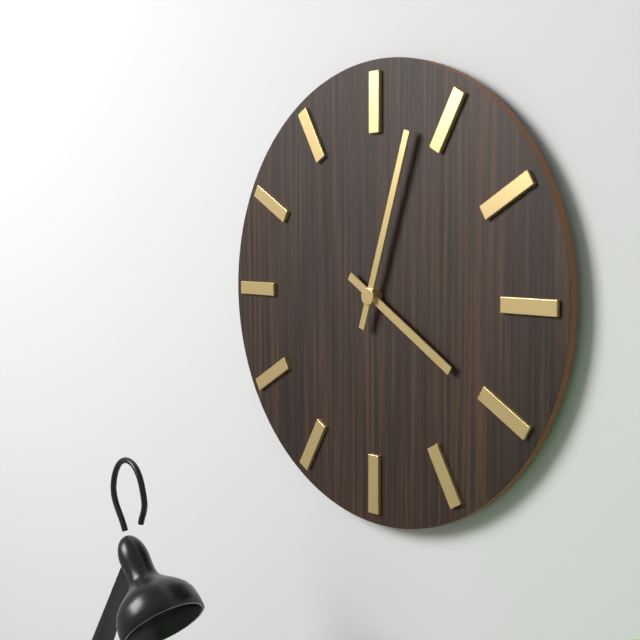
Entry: h=4 m=3
